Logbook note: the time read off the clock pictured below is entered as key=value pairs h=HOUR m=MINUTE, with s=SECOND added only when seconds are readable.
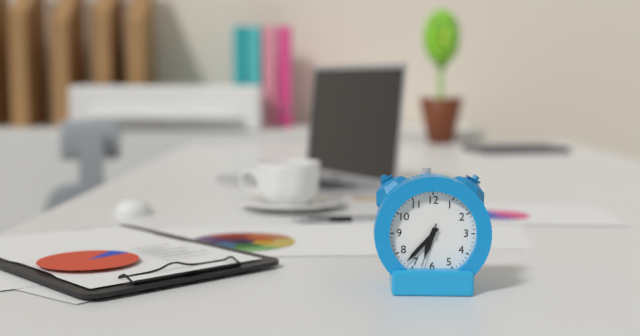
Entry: h=6 m=37
